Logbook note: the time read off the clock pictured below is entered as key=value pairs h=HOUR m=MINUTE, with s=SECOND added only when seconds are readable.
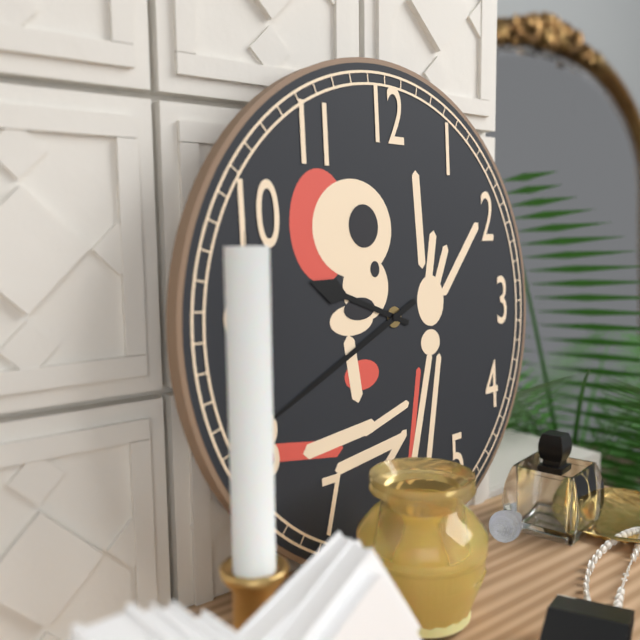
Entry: h=9 m=41
